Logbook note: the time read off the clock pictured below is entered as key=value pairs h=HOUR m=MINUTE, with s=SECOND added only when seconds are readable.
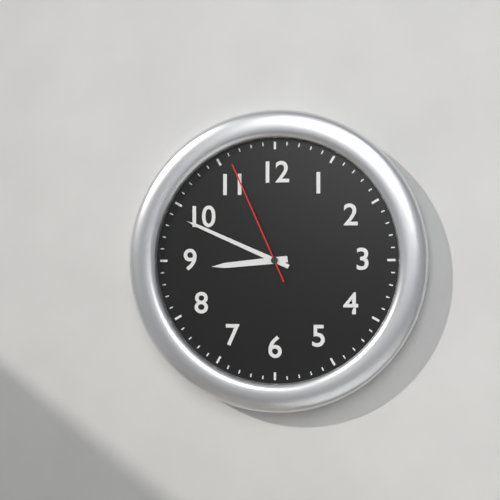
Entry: h=8 m=49 s=56
